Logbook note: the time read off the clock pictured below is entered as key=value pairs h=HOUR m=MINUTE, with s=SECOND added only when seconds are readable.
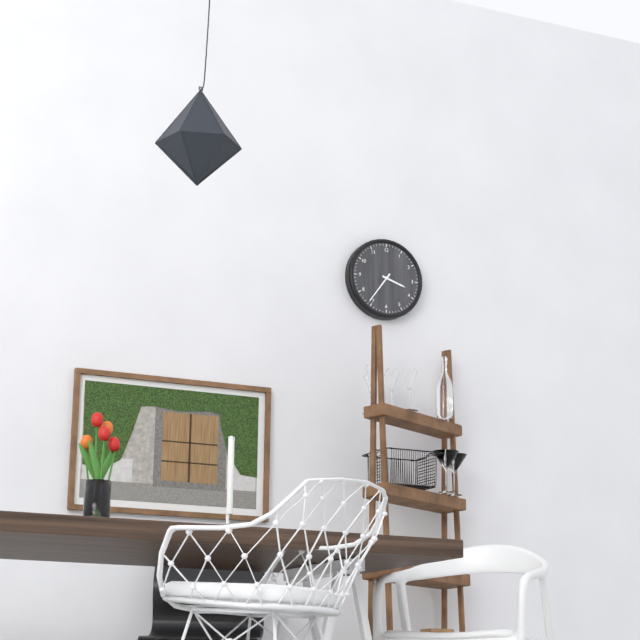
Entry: h=3 m=36
